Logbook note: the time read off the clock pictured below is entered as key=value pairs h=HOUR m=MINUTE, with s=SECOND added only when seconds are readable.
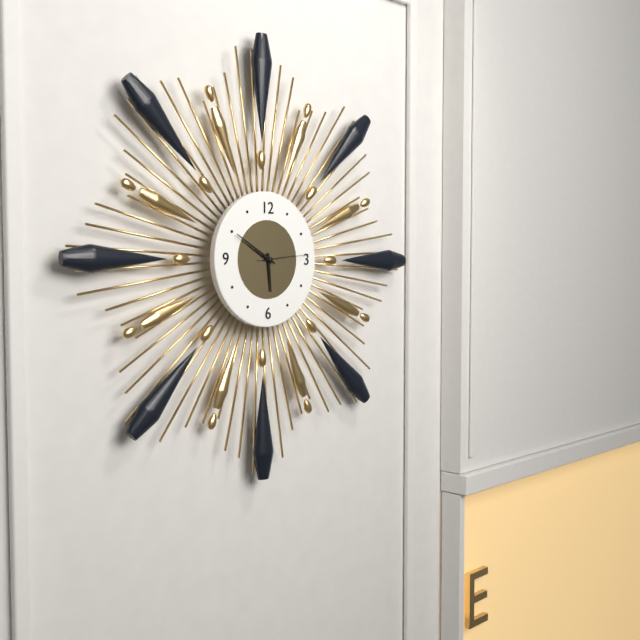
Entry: h=5 m=50
